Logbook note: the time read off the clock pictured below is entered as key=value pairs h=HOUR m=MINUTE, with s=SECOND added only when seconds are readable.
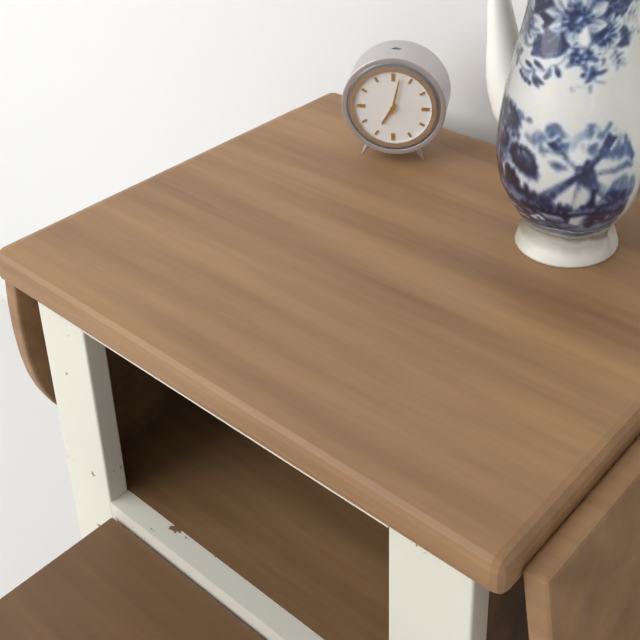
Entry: h=7 m=2
